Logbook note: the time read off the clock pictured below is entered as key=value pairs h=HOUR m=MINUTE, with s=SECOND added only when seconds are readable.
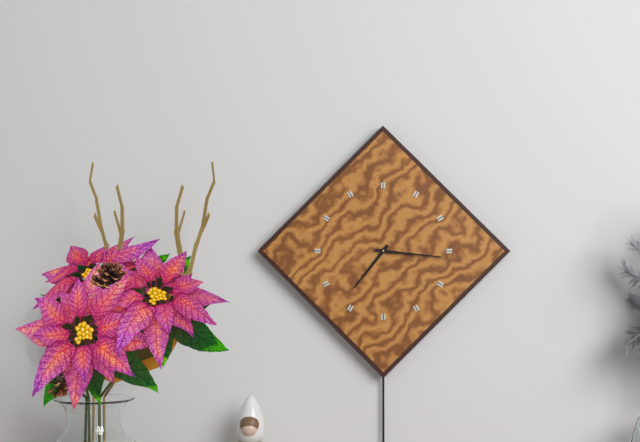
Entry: h=7 m=16
